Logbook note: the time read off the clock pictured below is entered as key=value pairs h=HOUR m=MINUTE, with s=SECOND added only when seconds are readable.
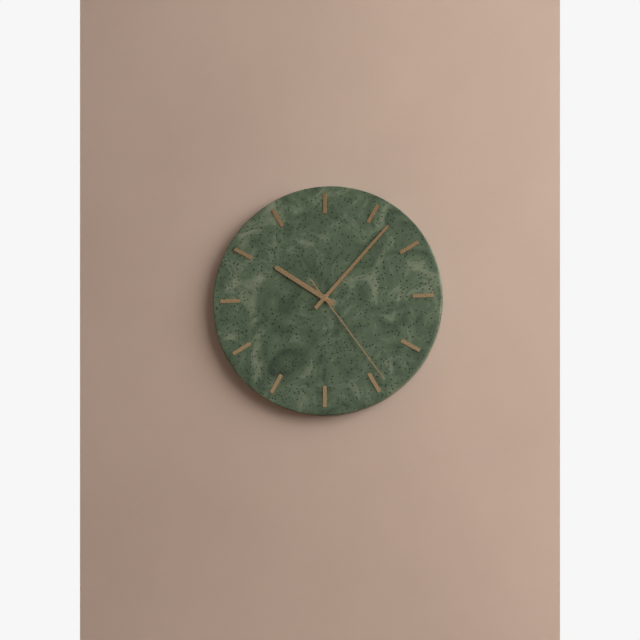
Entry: h=10 m=7 s=24
